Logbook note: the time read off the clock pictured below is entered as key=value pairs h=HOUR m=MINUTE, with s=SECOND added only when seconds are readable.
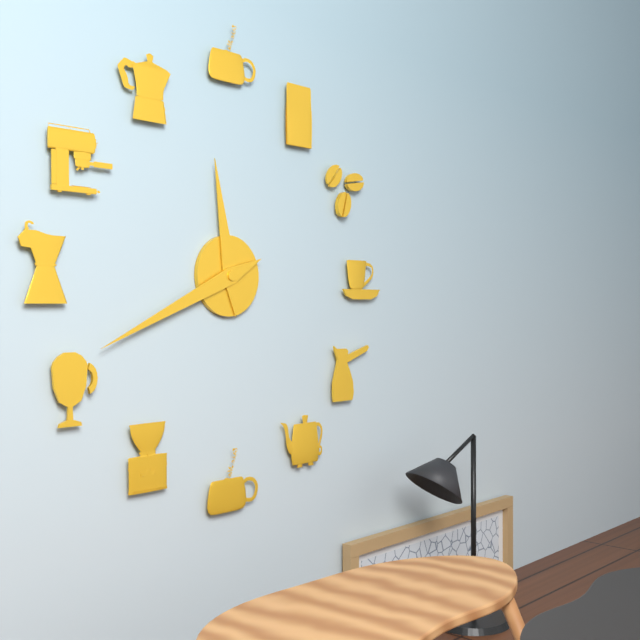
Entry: h=11 m=41
